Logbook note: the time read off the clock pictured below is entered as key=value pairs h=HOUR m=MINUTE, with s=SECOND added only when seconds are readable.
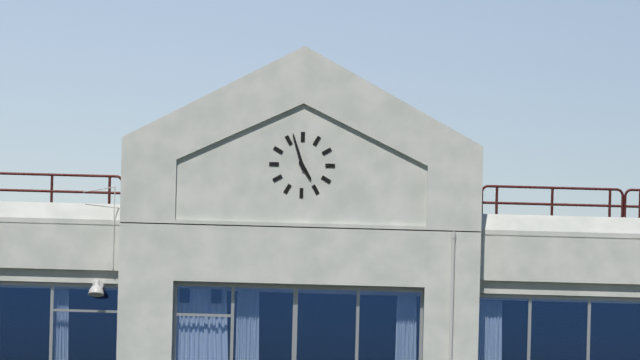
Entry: h=4 m=57
